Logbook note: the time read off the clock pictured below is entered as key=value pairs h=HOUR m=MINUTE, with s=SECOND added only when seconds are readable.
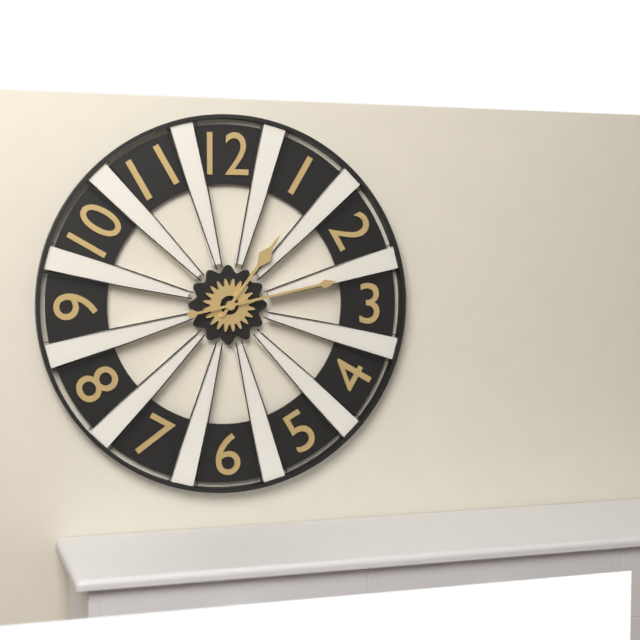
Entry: h=1 m=13
